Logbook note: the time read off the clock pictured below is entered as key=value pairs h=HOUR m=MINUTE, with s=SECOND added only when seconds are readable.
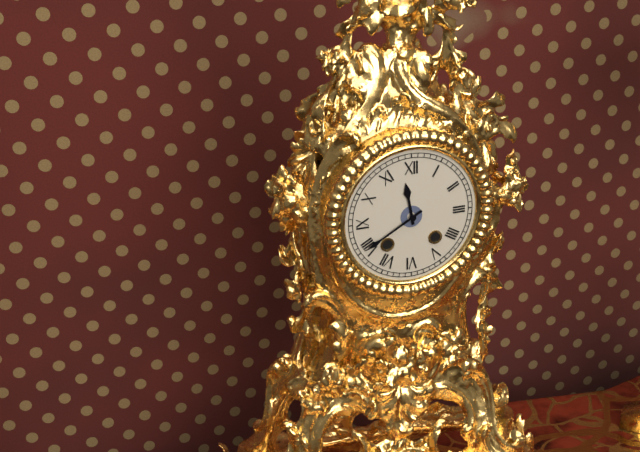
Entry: h=11 m=40
